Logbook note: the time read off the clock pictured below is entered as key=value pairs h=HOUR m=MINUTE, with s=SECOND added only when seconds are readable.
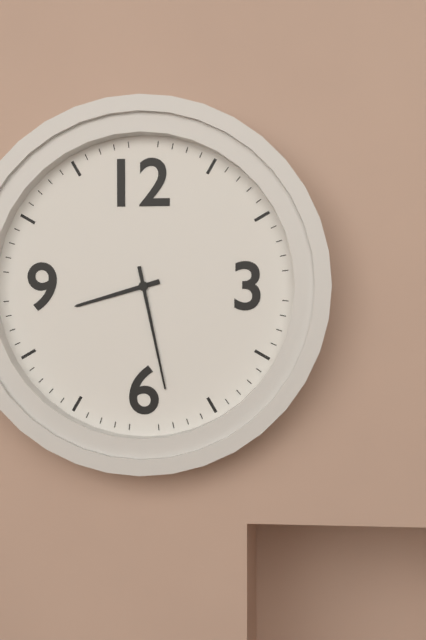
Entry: h=8 m=28
